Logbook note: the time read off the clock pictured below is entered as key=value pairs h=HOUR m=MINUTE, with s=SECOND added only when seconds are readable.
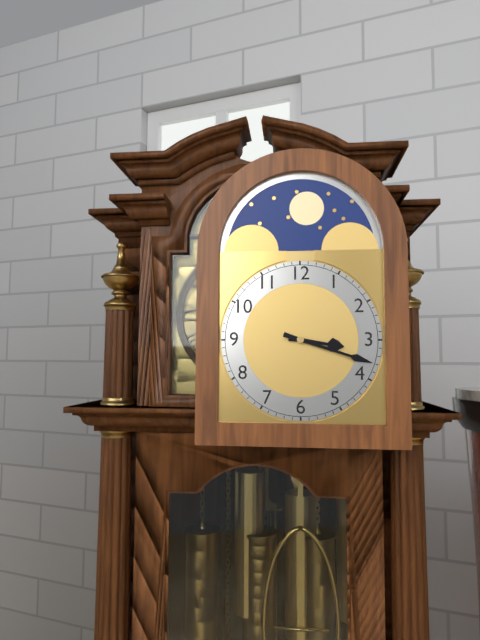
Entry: h=3 m=18
